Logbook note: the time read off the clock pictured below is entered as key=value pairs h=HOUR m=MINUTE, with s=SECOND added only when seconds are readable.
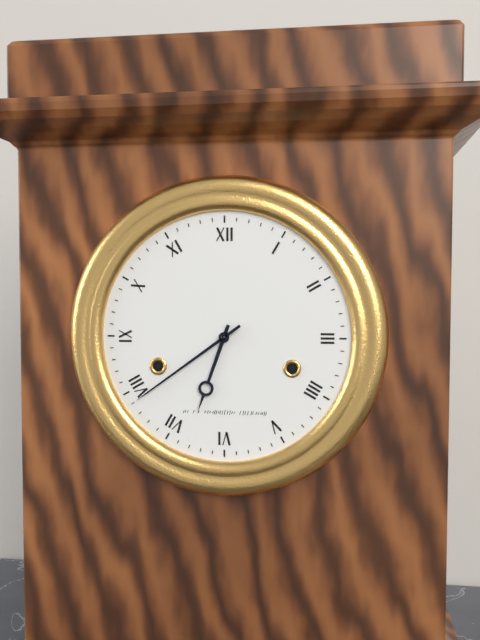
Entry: h=6 m=39
